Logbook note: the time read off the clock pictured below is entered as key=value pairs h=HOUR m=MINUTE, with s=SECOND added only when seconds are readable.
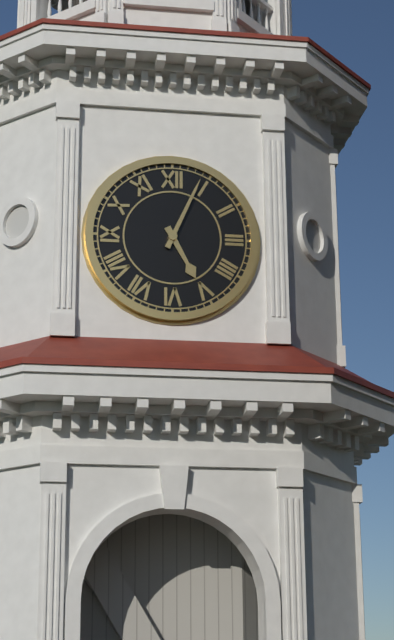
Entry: h=5 m=4
